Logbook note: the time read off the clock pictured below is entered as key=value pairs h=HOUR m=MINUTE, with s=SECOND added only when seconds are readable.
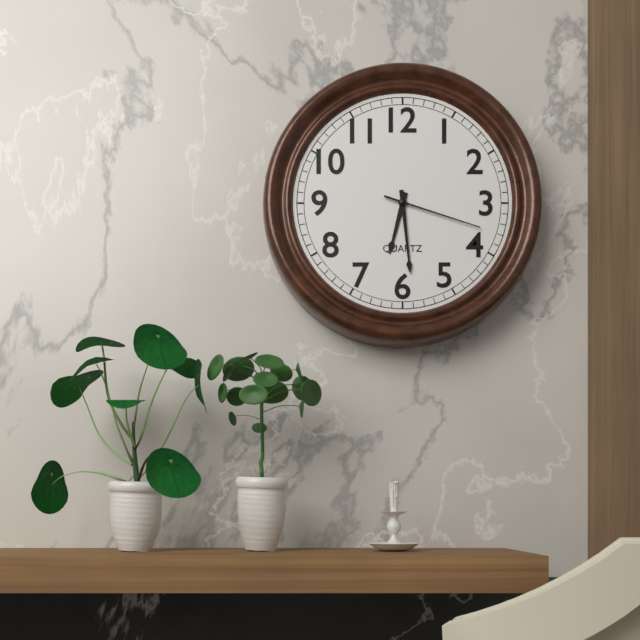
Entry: h=6 m=29 s=18
